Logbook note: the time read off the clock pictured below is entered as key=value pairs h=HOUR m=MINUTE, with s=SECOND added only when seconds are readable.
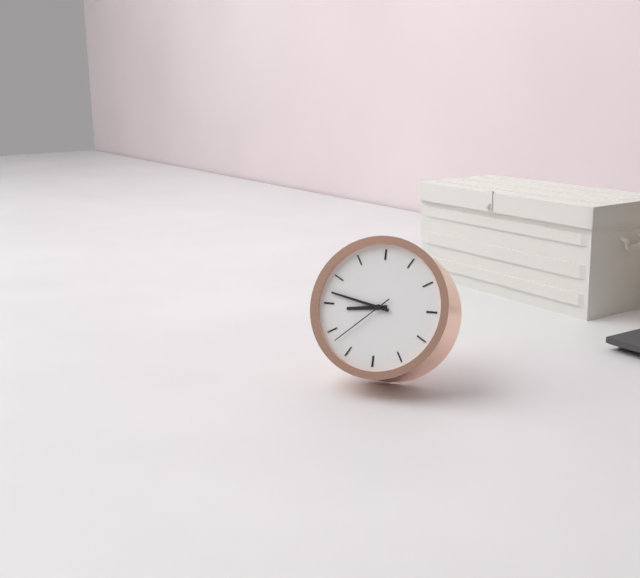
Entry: h=8 m=47 s=38
